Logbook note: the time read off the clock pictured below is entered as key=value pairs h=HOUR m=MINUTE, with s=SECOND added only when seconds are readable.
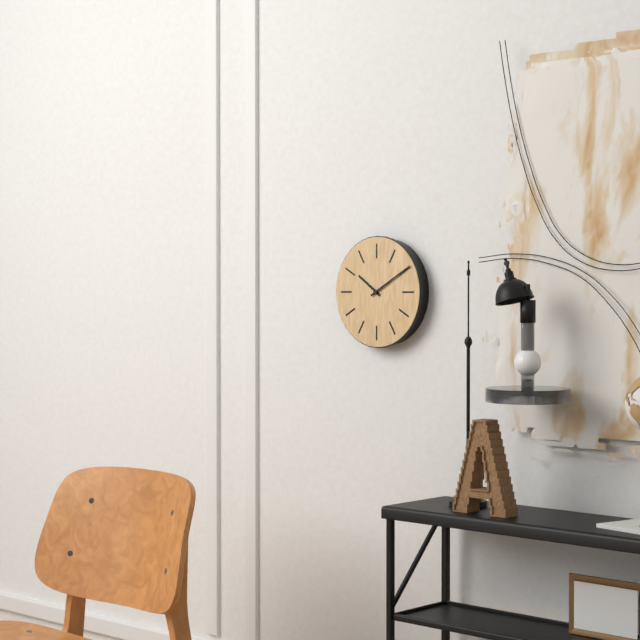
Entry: h=10 m=10
